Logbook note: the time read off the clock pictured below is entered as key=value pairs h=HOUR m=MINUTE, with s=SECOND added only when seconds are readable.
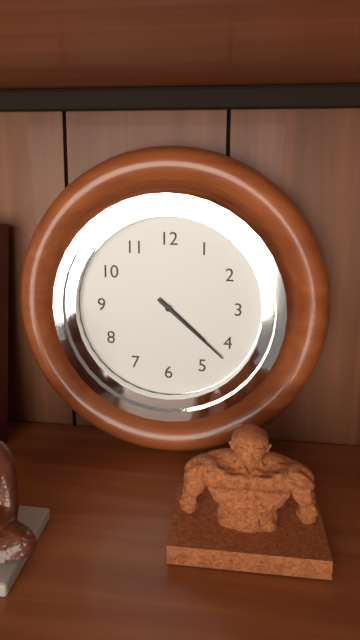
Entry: h=4 m=22
